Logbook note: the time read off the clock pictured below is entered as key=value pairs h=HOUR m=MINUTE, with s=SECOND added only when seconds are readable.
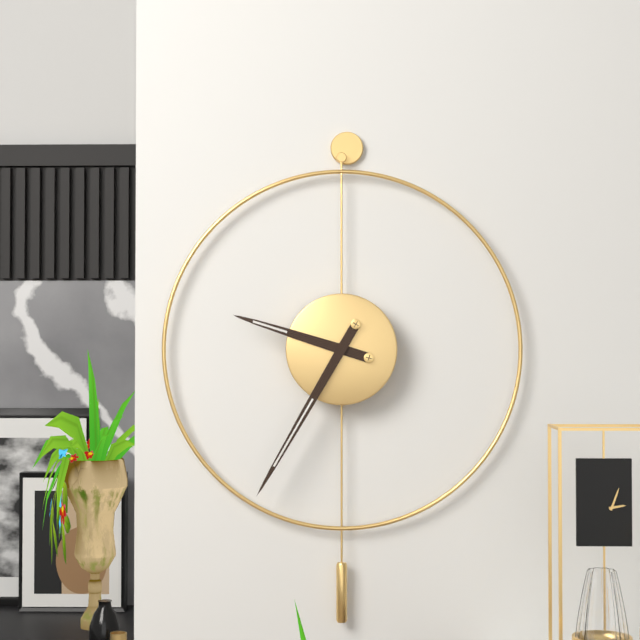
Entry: h=9 m=35
